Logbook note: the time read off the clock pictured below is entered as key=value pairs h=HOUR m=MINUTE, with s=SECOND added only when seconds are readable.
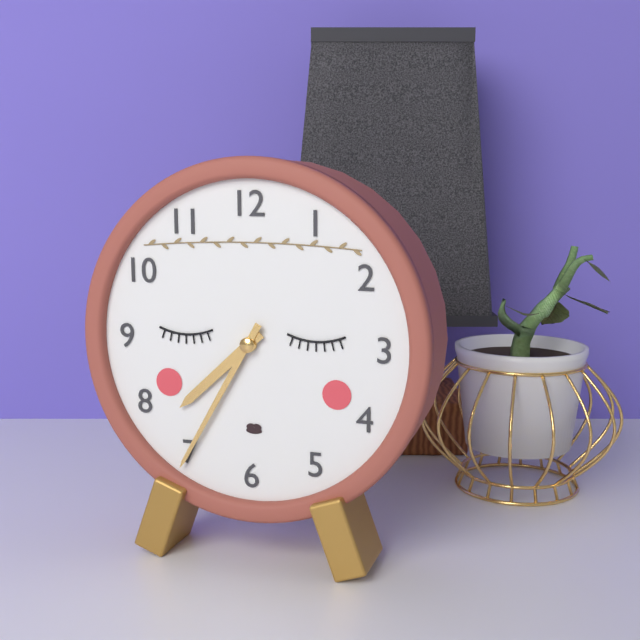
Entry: h=7 m=35
